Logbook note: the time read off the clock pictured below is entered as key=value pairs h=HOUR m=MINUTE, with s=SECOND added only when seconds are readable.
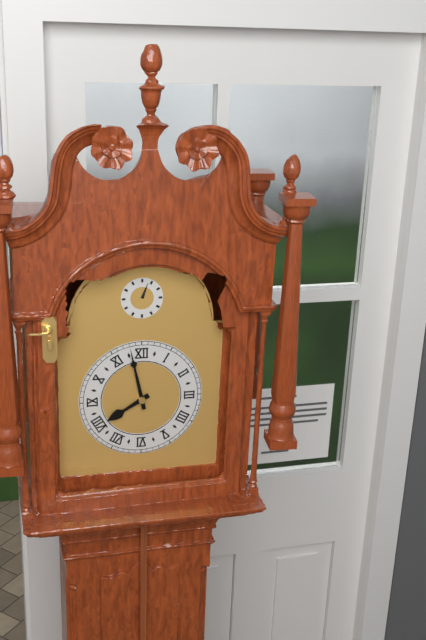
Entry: h=7 m=58
